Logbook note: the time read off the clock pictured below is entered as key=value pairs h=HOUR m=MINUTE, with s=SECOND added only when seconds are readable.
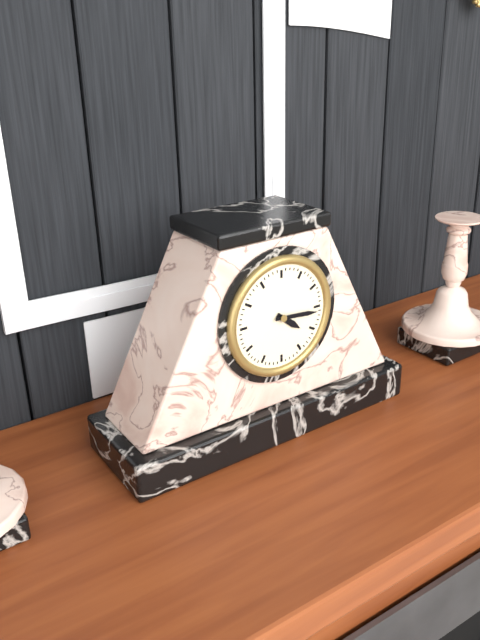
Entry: h=4 m=16
